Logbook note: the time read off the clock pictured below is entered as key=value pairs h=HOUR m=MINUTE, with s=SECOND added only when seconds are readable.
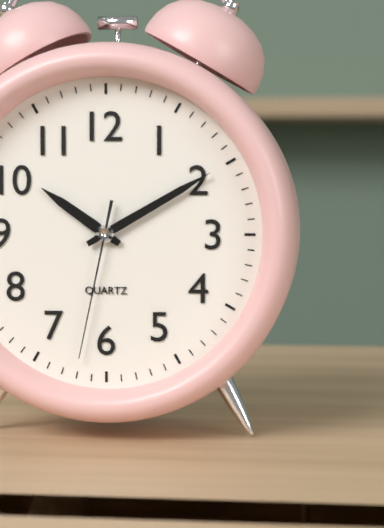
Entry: h=10 m=10 s=32
